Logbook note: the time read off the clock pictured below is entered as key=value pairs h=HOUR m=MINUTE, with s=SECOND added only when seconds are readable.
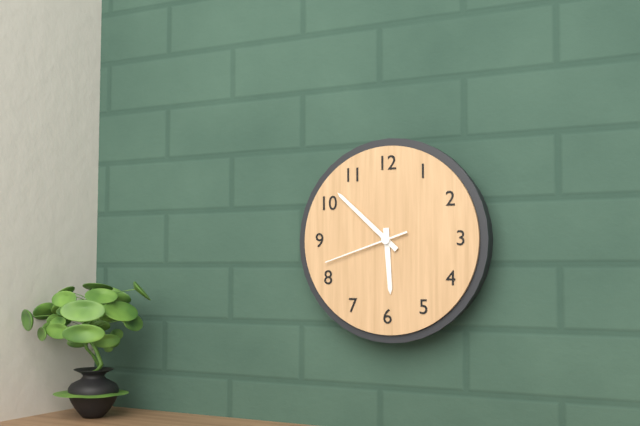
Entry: h=5 m=52 s=42
